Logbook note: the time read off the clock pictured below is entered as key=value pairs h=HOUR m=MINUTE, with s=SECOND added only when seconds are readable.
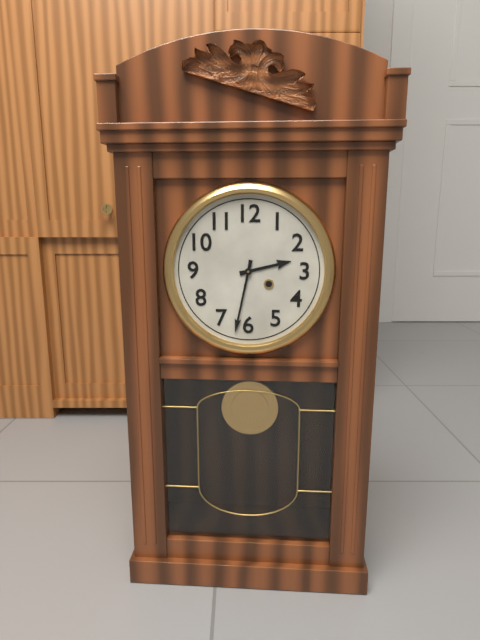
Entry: h=2 m=32
